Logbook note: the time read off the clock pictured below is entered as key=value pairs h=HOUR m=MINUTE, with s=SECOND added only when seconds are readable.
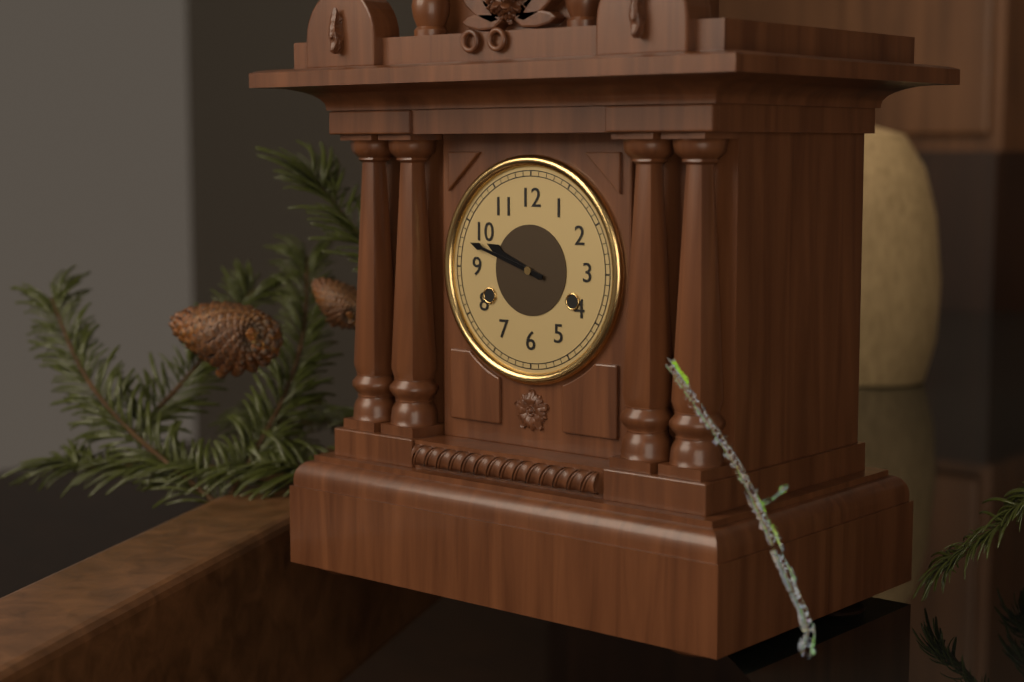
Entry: h=9 m=48
